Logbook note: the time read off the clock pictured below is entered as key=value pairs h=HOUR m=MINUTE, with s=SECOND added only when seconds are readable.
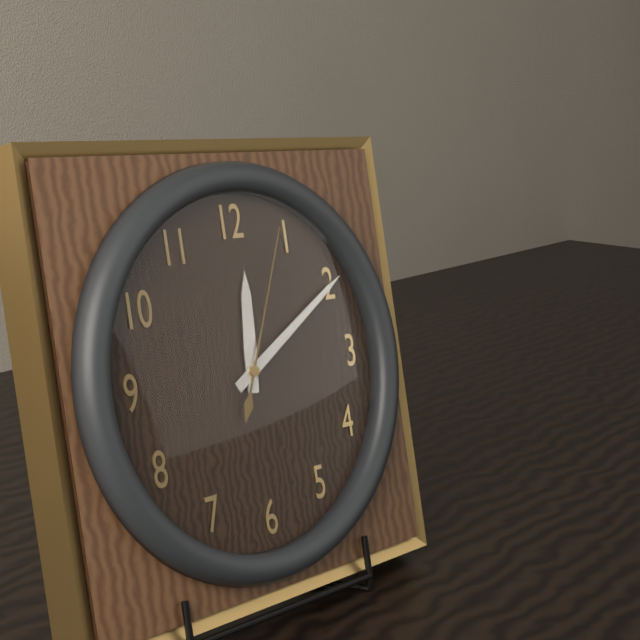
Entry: h=12 m=10 s=4
